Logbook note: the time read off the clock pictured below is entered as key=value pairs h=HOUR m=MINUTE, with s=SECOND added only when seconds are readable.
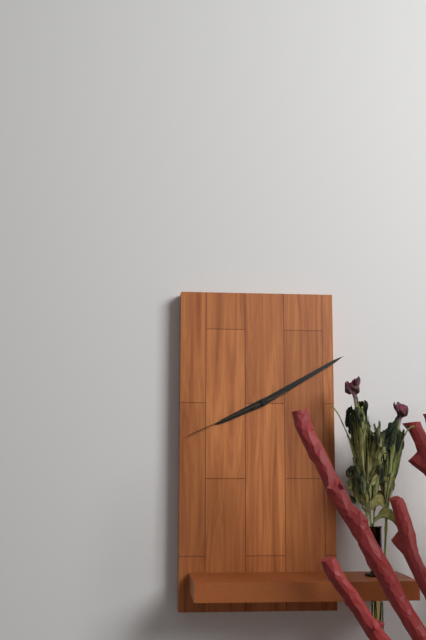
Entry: h=8 m=10 s=41
